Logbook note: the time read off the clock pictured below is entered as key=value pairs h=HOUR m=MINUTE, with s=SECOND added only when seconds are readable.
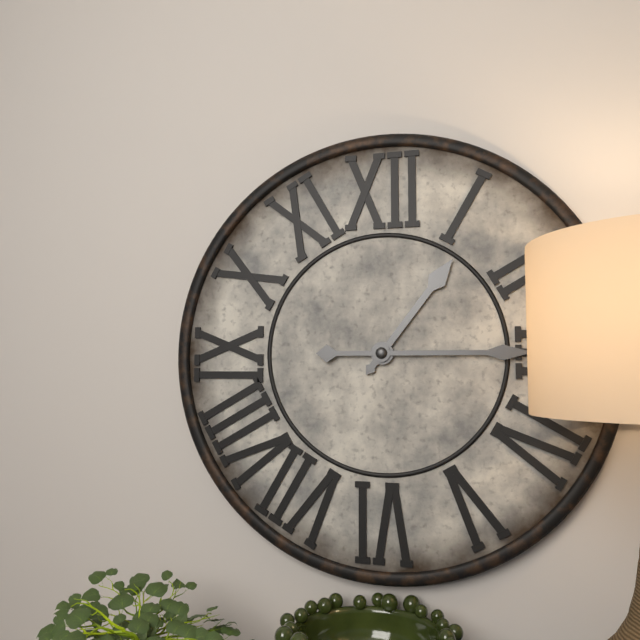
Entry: h=1 m=15
